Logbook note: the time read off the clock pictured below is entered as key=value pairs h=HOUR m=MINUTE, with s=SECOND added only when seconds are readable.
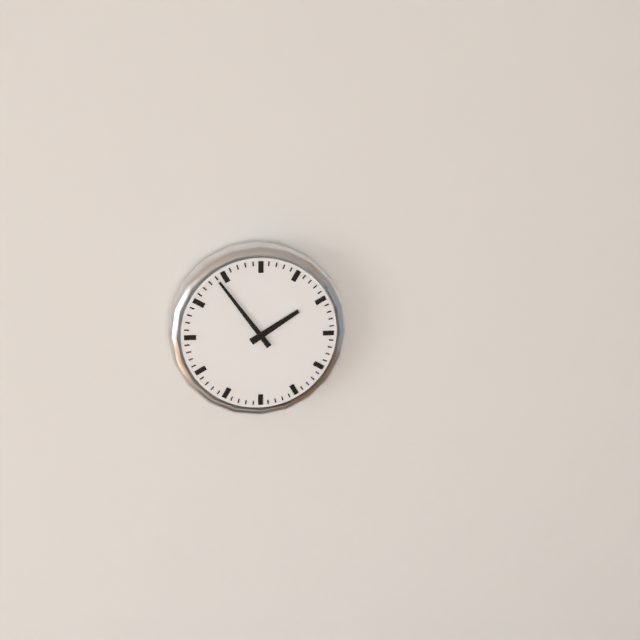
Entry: h=1 m=54
